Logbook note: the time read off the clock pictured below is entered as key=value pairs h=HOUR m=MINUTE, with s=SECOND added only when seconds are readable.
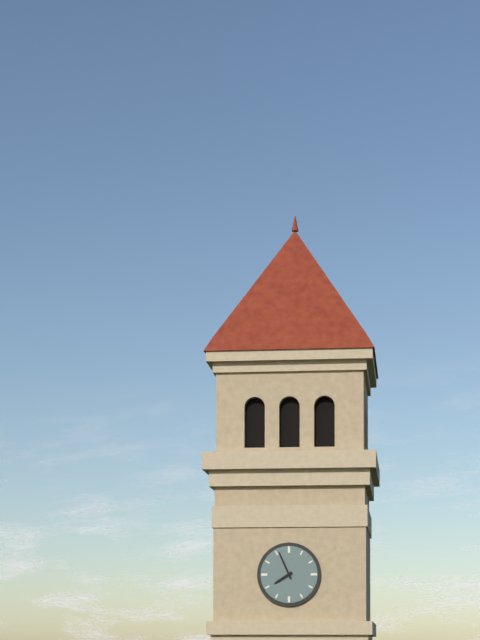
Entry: h=7 m=56
